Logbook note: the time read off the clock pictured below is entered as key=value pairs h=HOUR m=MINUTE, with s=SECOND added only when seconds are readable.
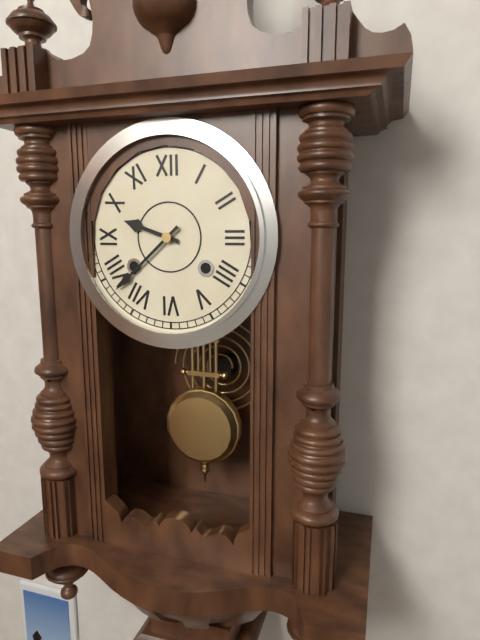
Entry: h=9 m=38
